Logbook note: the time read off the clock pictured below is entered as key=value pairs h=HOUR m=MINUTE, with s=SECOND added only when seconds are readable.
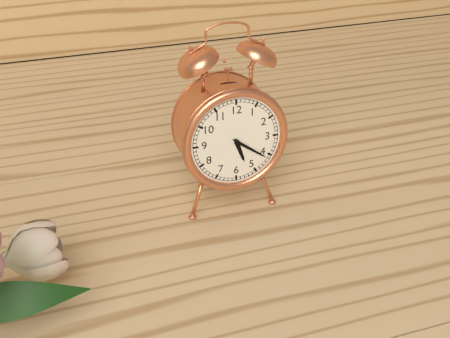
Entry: h=5 m=21
